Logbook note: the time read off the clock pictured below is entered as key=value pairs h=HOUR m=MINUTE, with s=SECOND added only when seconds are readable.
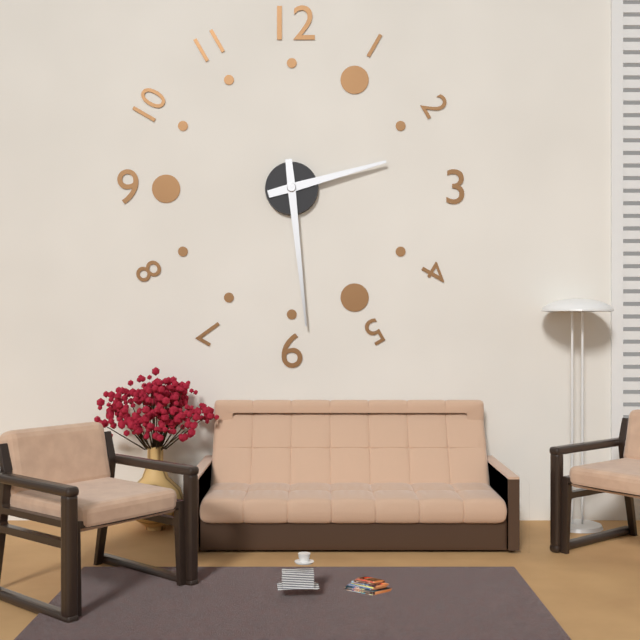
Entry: h=2 m=29
